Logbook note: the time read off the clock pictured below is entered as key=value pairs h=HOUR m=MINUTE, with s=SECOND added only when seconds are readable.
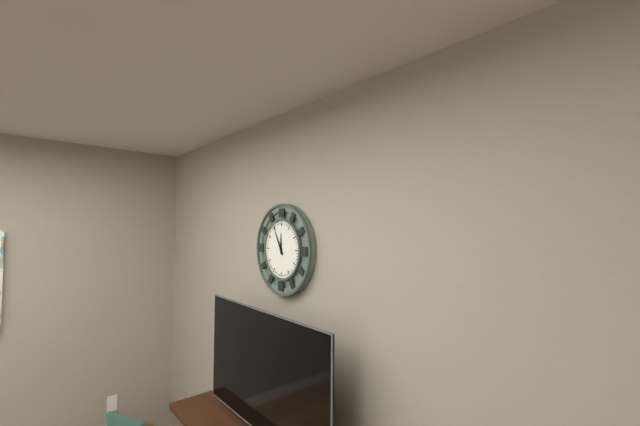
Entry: h=11 m=55
